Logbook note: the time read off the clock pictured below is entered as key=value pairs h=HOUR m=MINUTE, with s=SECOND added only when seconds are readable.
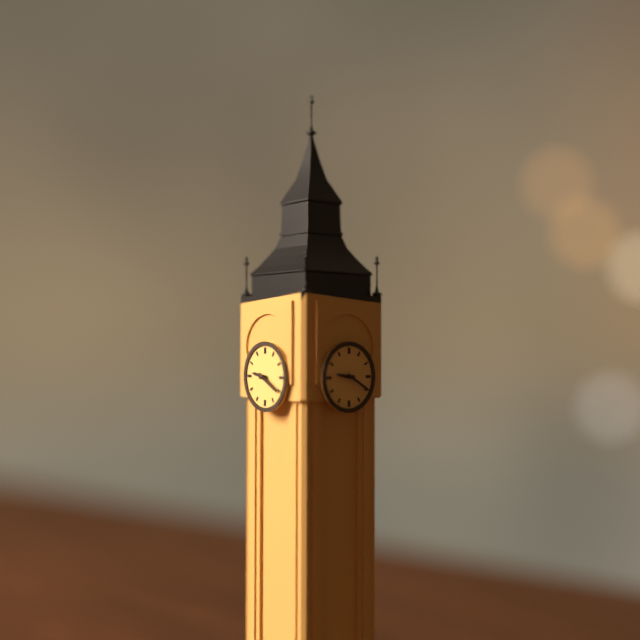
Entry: h=9 m=20
